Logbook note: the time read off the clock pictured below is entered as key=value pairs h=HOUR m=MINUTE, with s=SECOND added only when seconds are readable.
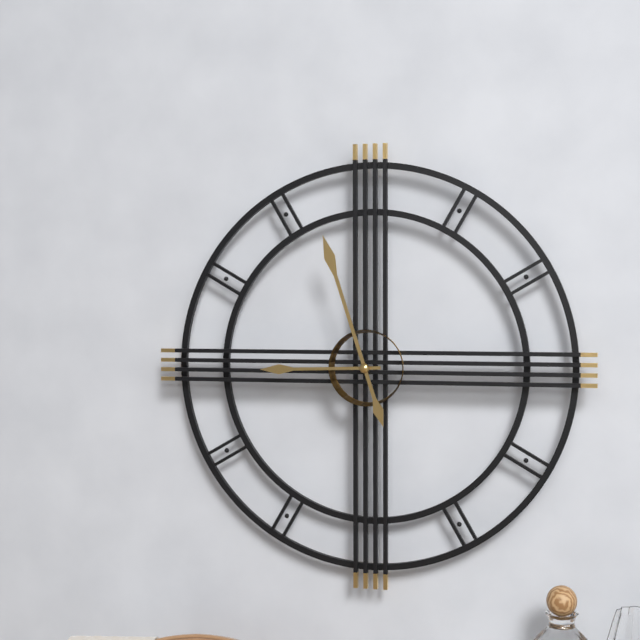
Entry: h=8 m=57
